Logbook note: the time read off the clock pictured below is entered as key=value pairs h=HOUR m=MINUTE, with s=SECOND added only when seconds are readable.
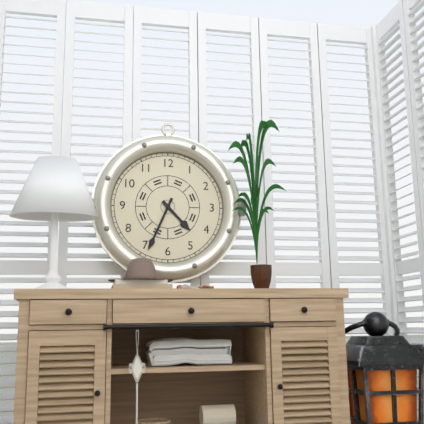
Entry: h=4 m=34
